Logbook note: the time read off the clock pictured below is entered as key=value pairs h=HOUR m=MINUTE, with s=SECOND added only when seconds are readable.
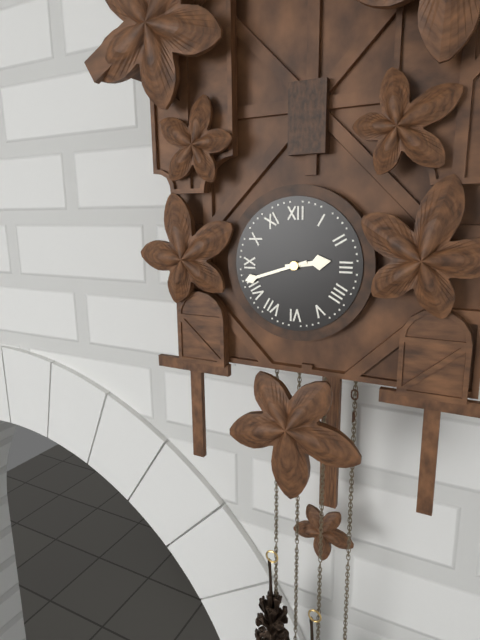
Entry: h=2 m=42
